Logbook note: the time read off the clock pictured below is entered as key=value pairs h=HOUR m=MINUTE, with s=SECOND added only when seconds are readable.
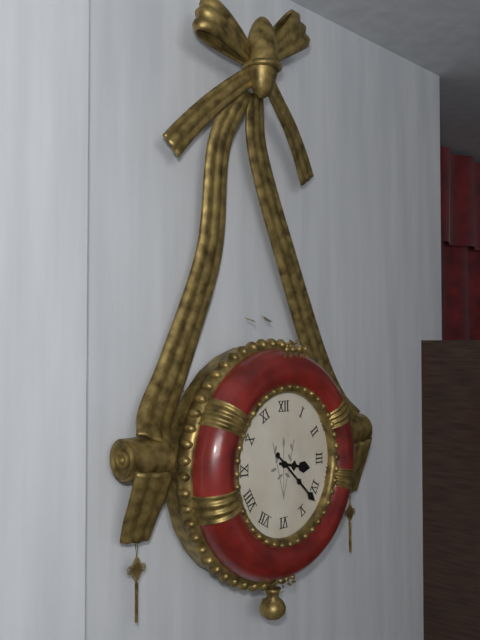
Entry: h=3 m=22
